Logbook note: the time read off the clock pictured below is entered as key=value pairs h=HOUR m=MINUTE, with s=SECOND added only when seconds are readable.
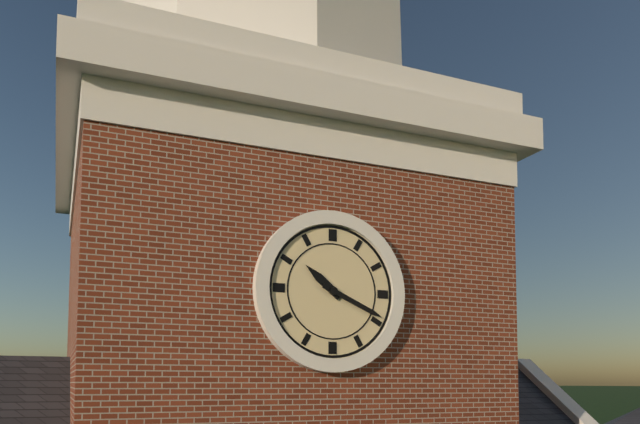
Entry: h=10 m=19
